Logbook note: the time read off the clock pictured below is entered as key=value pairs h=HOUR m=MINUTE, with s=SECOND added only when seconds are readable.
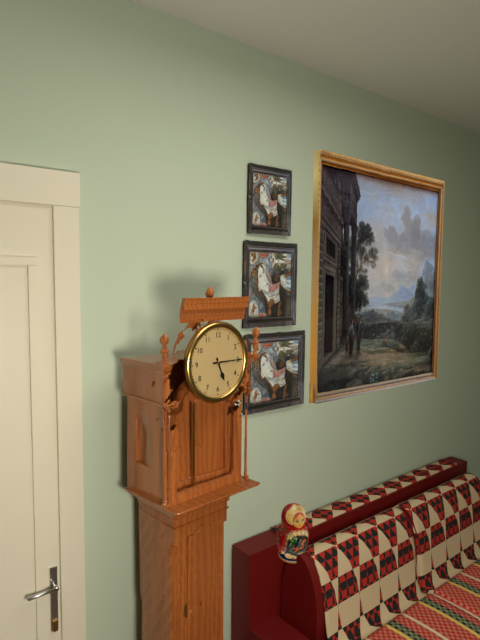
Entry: h=5 m=15
